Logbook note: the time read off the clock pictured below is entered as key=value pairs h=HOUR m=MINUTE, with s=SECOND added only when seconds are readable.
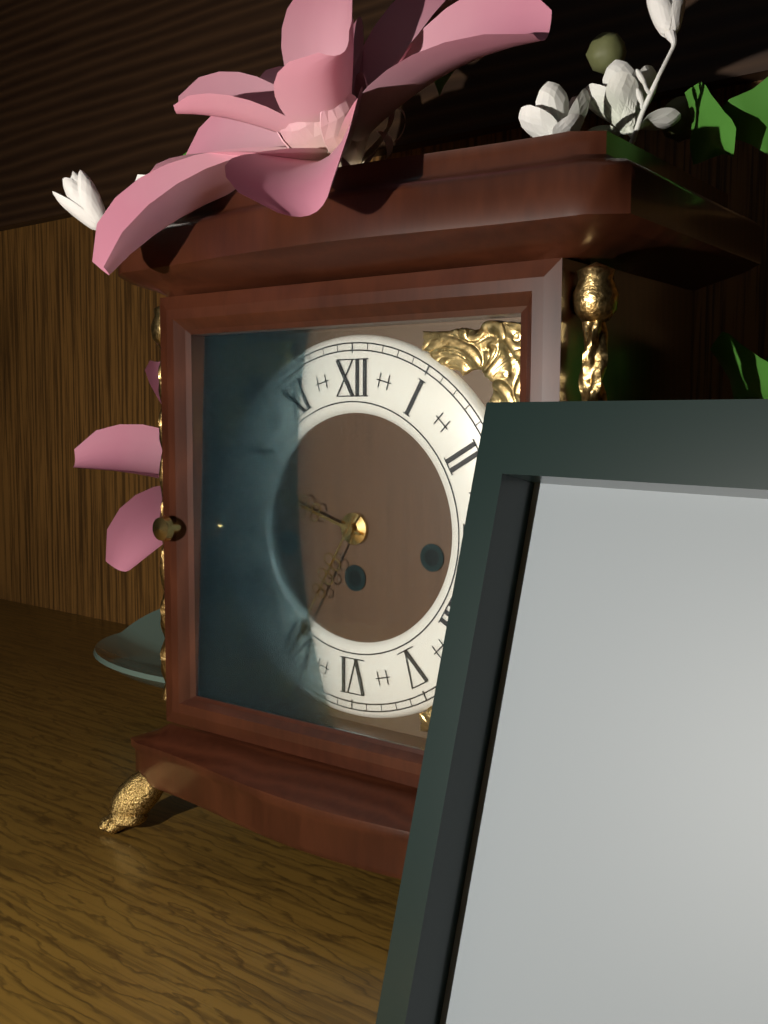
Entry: h=9 m=35
